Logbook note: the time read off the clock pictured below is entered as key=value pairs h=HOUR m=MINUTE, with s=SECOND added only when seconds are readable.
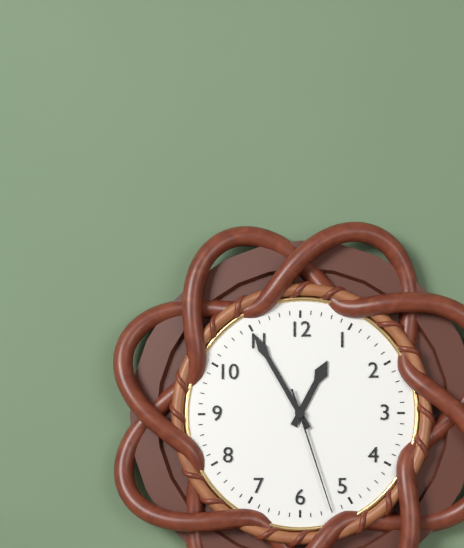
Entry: h=12 m=55 s=27
